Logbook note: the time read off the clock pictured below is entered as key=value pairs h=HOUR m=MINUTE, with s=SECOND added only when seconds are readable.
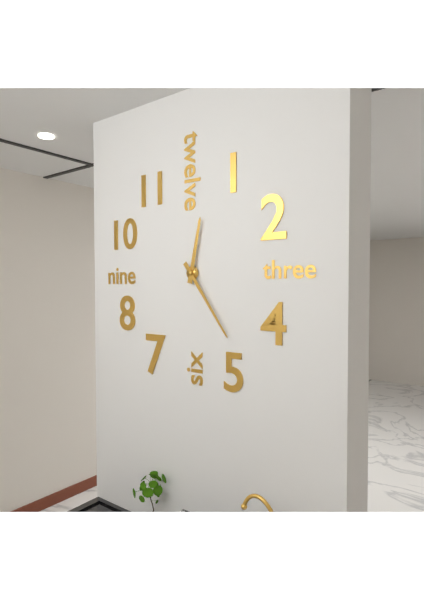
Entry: h=12 m=24
